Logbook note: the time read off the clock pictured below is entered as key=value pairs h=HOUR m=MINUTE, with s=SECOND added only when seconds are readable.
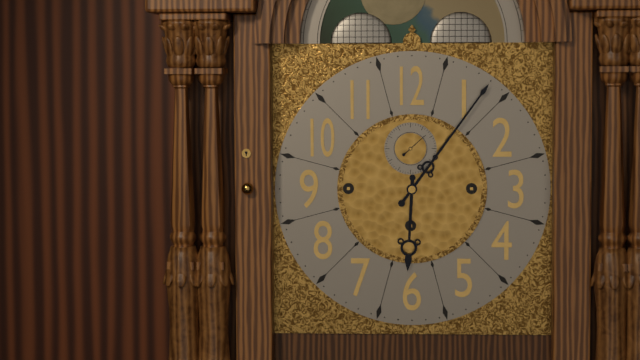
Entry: h=6 m=6
